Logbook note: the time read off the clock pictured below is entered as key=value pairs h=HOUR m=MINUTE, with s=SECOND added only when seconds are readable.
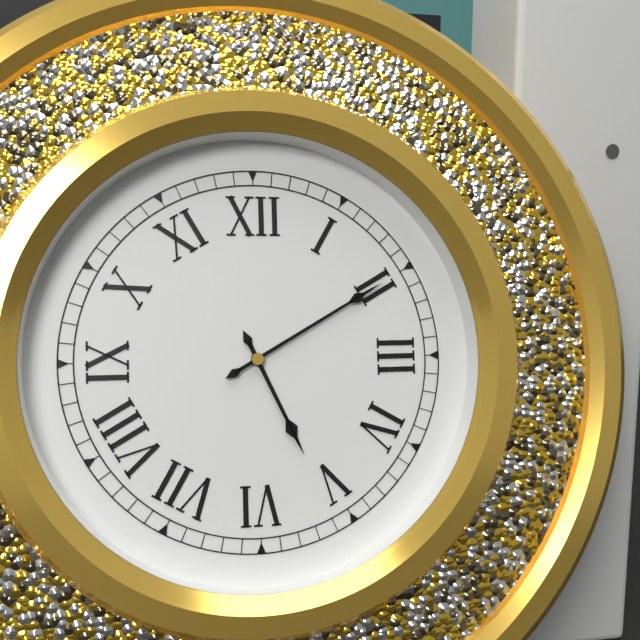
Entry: h=5 m=10
